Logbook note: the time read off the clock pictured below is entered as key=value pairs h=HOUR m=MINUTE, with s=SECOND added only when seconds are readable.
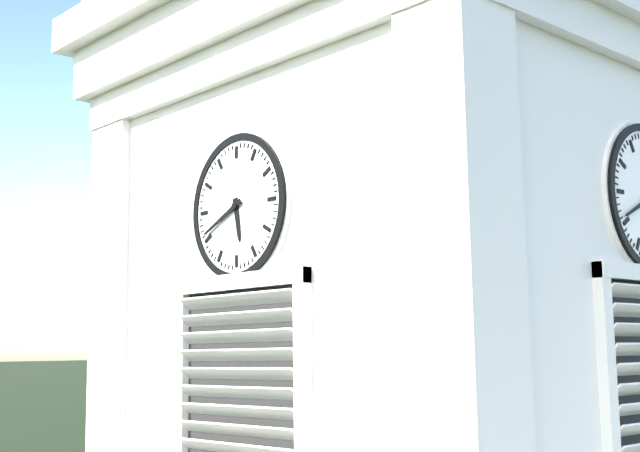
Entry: h=5 m=41
